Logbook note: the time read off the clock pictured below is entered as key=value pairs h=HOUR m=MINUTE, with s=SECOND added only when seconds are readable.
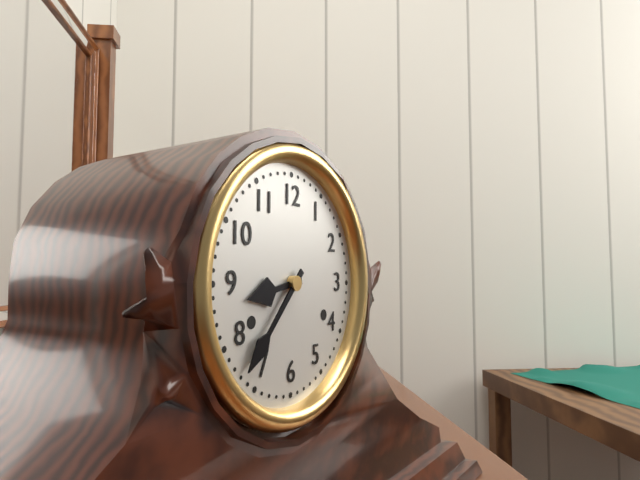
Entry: h=8 m=37
